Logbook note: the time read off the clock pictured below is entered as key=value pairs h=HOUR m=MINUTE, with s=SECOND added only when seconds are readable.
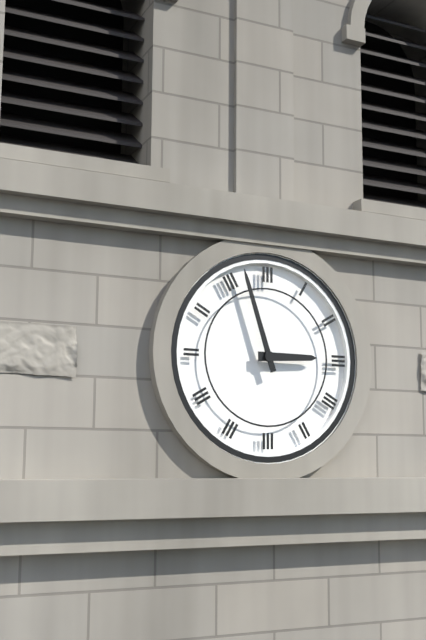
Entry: h=2 m=57
